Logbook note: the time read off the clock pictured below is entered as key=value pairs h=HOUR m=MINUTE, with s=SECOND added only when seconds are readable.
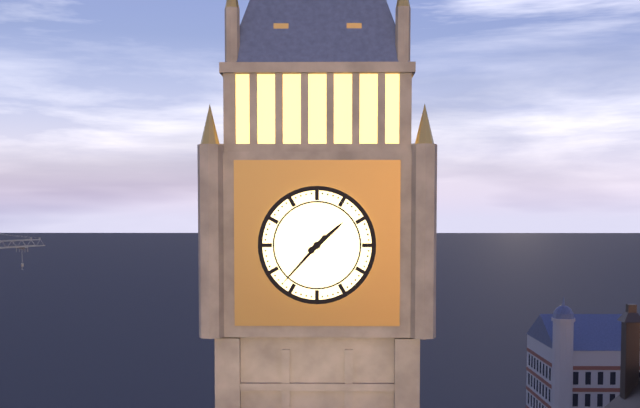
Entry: h=1 m=37
